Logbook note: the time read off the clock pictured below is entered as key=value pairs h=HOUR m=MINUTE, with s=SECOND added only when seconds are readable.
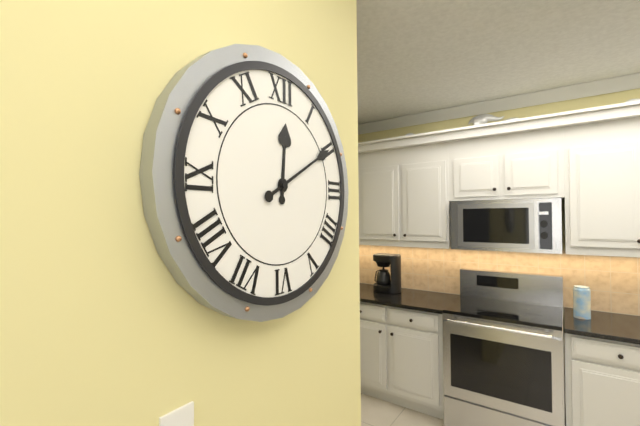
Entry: h=12 m=10
